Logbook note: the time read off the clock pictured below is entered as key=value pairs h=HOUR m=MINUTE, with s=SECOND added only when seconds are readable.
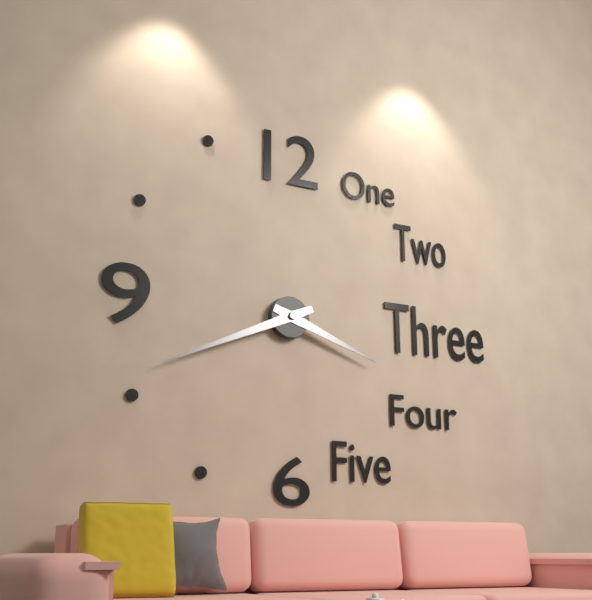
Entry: h=3 m=41
